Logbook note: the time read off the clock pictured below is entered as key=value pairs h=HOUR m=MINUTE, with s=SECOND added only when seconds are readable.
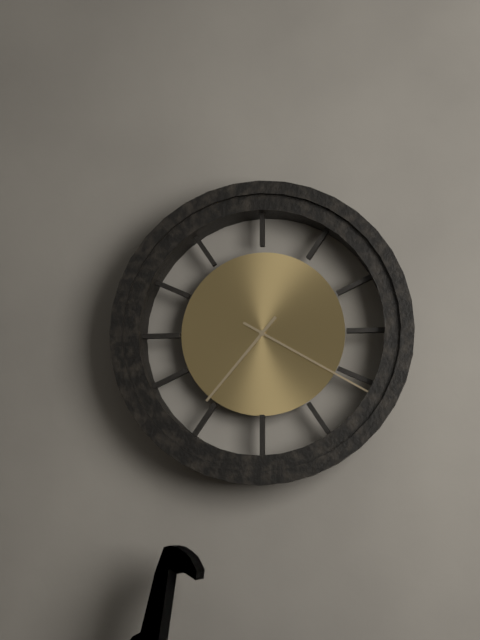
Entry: h=7 m=20
